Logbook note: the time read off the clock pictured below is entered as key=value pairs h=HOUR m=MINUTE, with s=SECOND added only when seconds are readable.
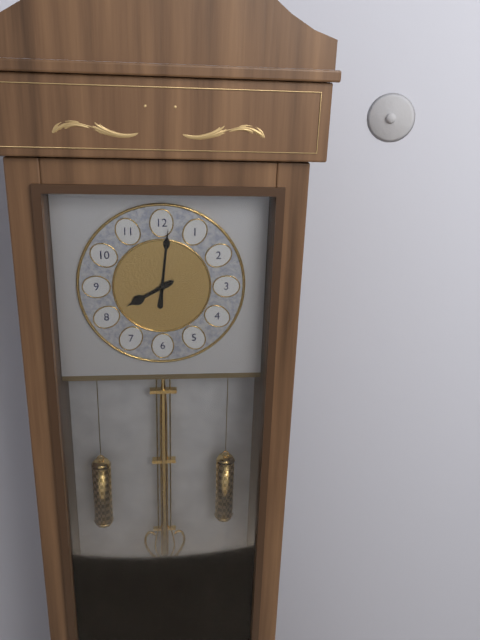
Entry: h=8 m=1
